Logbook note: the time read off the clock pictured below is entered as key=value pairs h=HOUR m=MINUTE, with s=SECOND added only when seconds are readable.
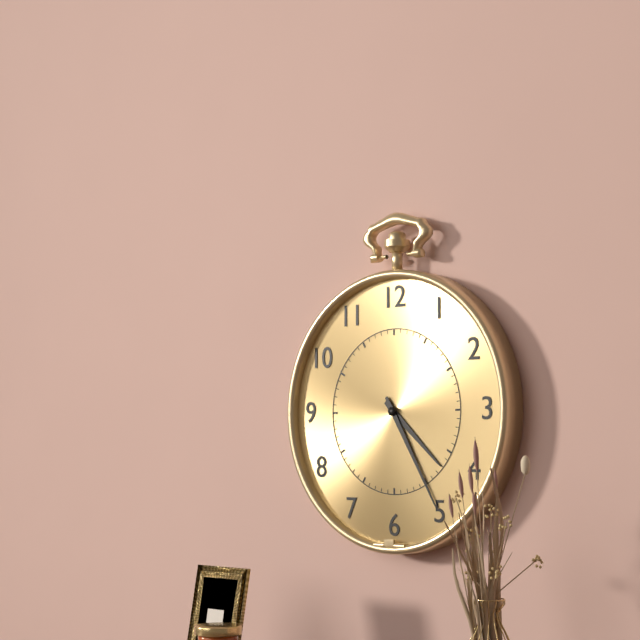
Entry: h=4 m=25
